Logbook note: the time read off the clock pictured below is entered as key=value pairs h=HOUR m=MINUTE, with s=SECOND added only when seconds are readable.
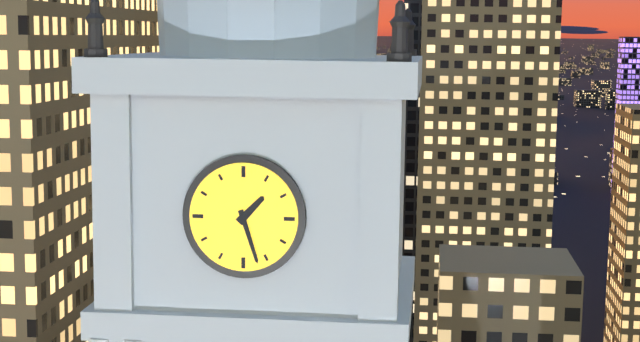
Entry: h=1 m=27
